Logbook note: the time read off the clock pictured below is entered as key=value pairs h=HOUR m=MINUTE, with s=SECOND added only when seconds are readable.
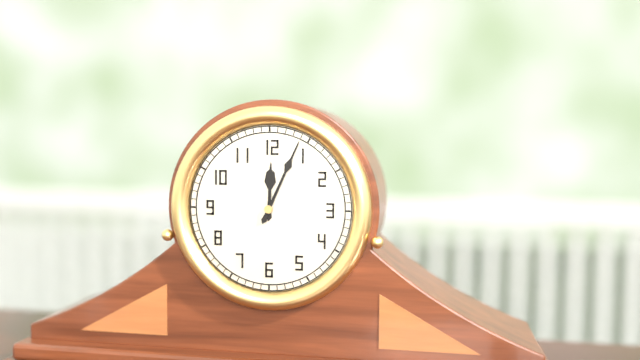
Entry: h=12 m=4
